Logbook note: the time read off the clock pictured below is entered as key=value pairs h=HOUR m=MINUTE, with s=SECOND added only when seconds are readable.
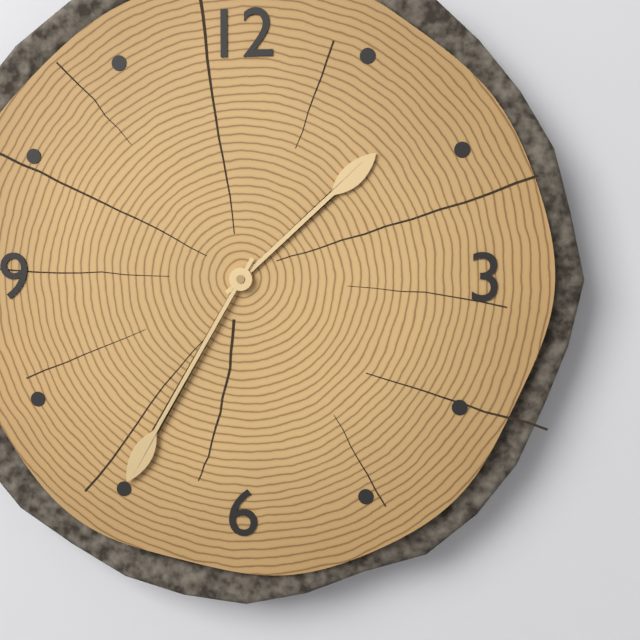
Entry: h=1 m=35
